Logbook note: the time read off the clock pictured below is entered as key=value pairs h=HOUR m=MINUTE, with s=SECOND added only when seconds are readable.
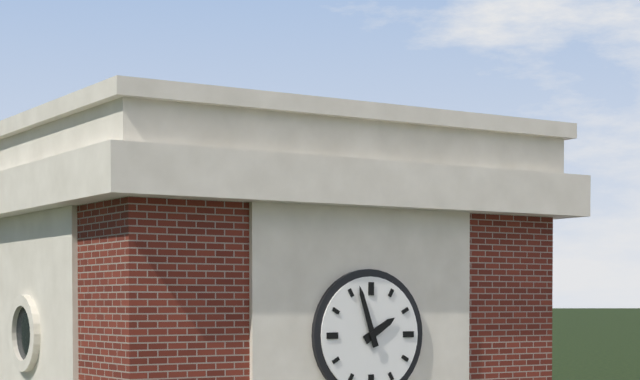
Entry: h=1 m=57
